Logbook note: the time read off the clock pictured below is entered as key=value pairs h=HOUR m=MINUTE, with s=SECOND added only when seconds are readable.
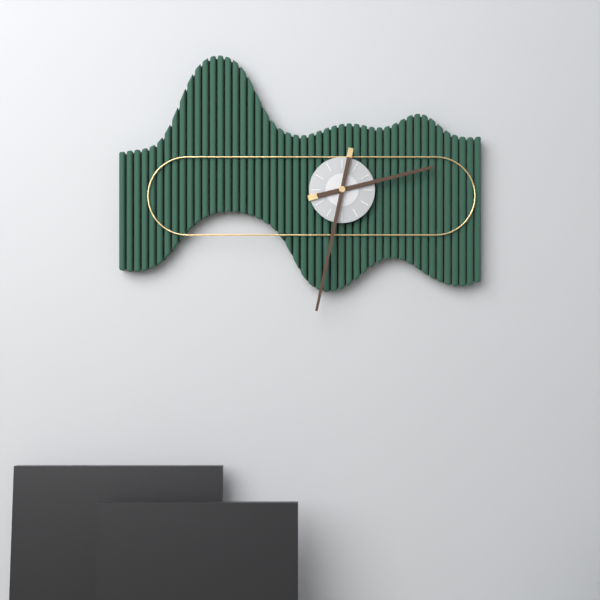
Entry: h=2 m=32
